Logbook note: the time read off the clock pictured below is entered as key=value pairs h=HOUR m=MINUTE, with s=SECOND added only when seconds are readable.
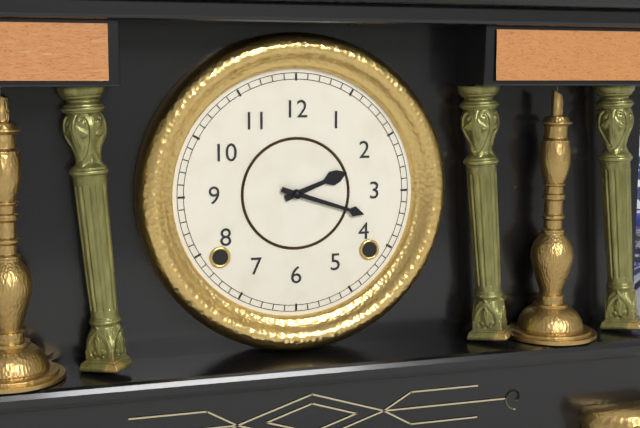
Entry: h=2 m=18
